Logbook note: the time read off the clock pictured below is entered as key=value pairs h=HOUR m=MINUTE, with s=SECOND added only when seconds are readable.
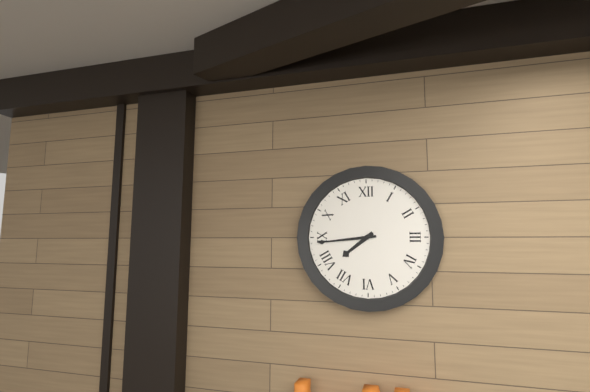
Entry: h=7 m=44
